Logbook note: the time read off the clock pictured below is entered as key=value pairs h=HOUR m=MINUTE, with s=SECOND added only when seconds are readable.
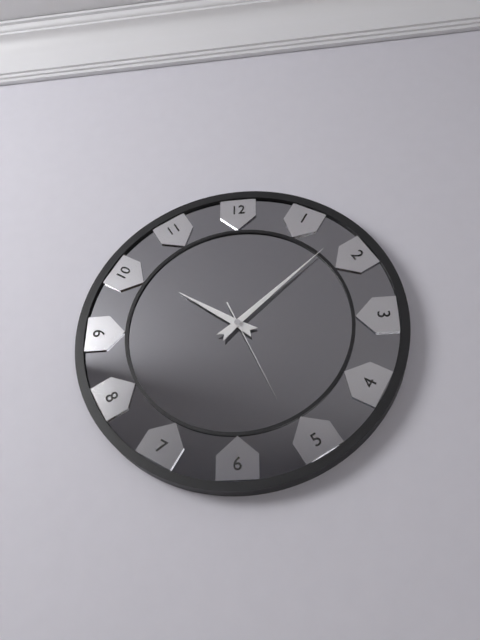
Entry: h=10 m=8 s=26
